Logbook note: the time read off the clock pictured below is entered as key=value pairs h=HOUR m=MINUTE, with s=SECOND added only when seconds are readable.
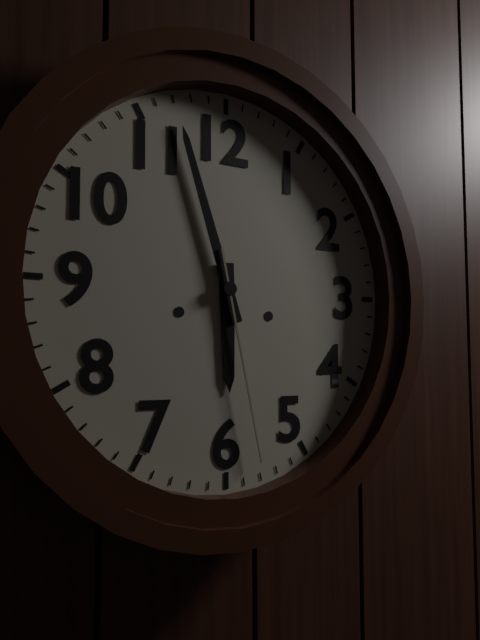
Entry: h=5 m=57 s=28
